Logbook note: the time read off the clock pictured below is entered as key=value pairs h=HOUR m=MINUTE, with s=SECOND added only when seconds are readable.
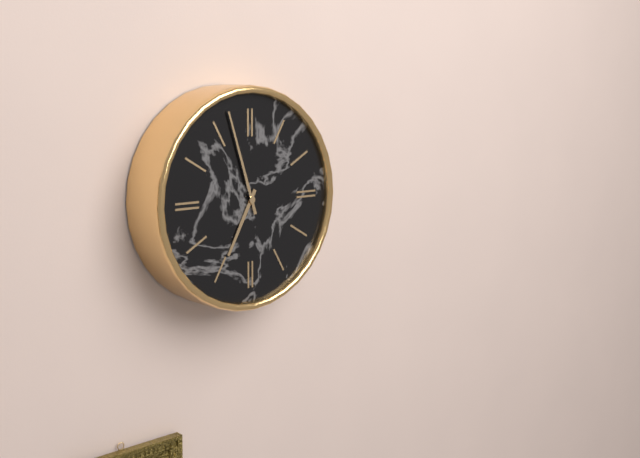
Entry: h=6 m=57
